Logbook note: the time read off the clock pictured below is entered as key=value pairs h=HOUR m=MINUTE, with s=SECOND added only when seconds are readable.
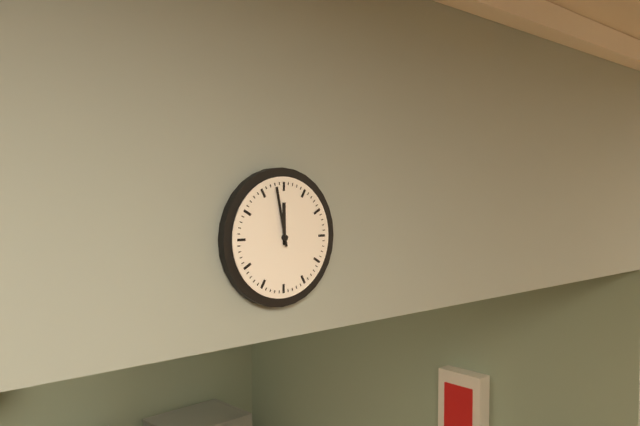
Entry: h=11 m=58
